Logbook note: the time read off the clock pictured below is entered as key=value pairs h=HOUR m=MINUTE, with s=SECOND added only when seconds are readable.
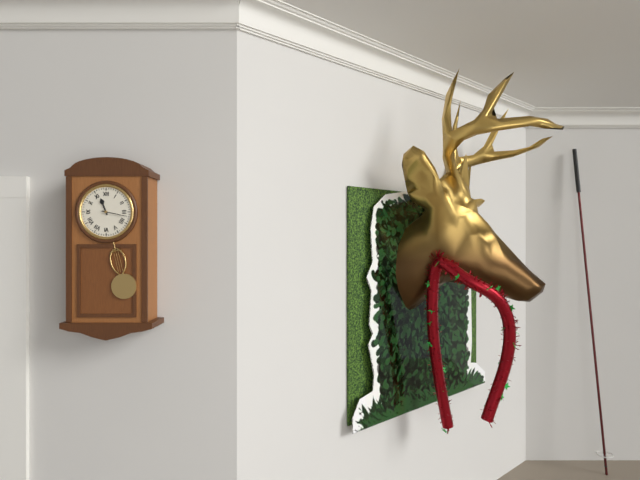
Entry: h=11 m=17
